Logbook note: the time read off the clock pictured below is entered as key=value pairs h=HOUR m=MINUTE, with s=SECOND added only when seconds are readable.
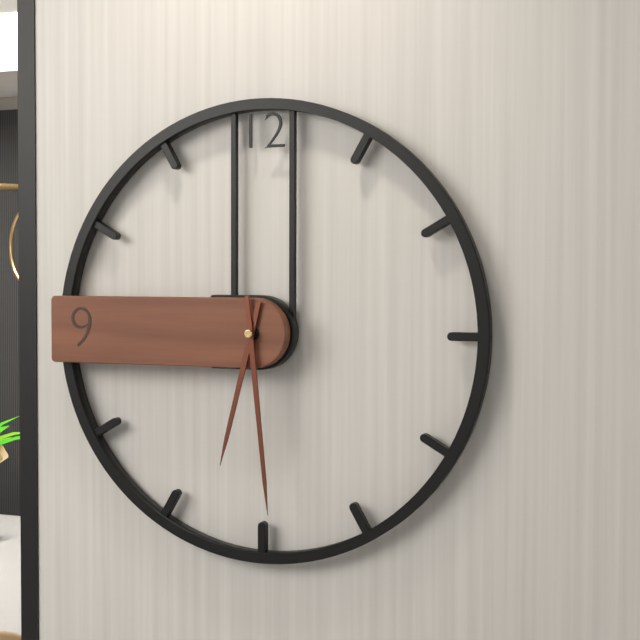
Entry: h=6 m=29
